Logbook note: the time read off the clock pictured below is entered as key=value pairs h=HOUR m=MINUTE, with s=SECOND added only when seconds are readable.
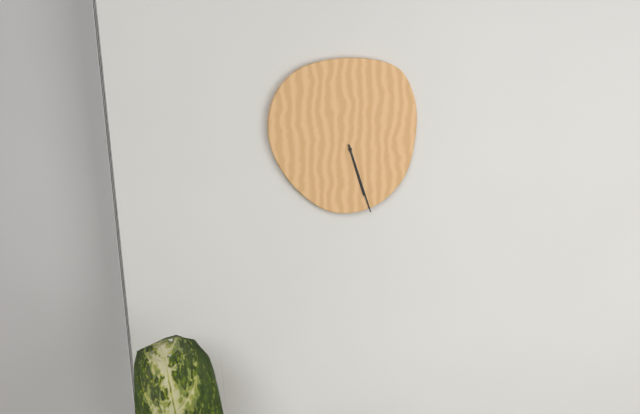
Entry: h=5 m=27
